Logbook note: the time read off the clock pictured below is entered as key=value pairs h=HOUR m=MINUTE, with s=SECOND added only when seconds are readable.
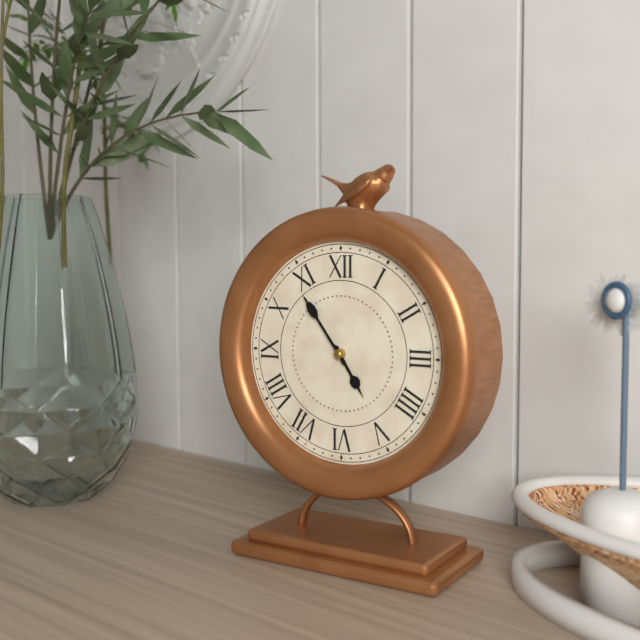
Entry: h=4 m=54
